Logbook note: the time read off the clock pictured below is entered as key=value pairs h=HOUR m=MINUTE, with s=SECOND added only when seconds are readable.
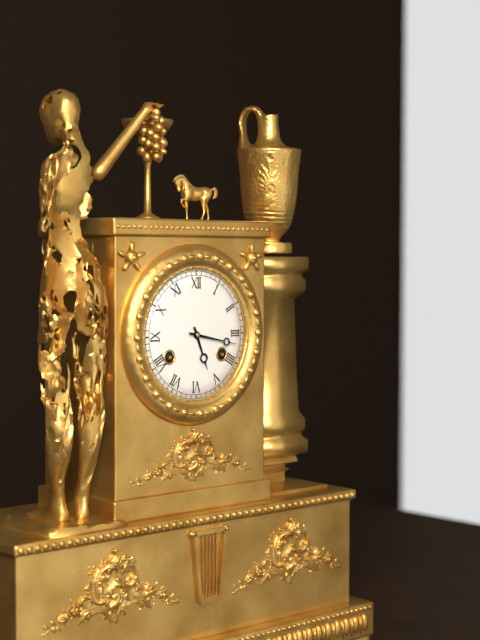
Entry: h=5 m=17
